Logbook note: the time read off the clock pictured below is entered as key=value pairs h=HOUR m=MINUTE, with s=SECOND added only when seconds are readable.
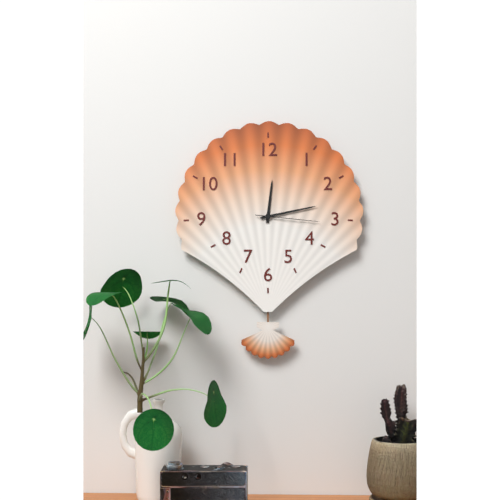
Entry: h=12 m=13 s=16
